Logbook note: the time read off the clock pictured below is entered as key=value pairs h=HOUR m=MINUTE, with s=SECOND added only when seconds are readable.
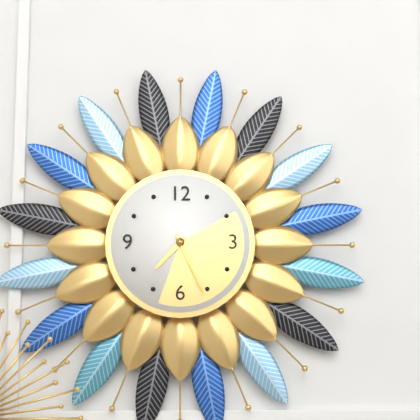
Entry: h=7 m=26
